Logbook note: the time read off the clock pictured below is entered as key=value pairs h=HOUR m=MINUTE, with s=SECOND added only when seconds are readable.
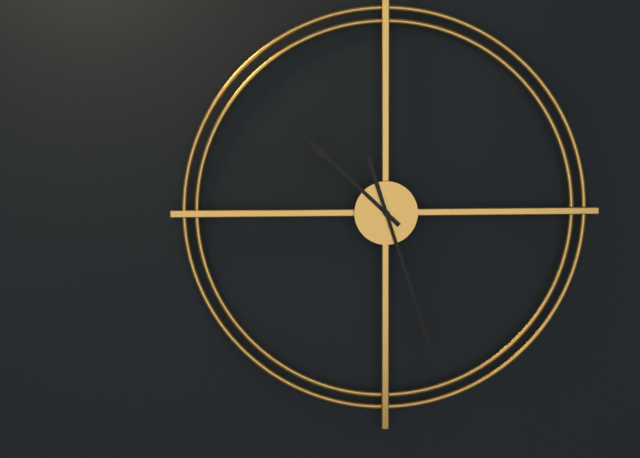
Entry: h=10 m=27
